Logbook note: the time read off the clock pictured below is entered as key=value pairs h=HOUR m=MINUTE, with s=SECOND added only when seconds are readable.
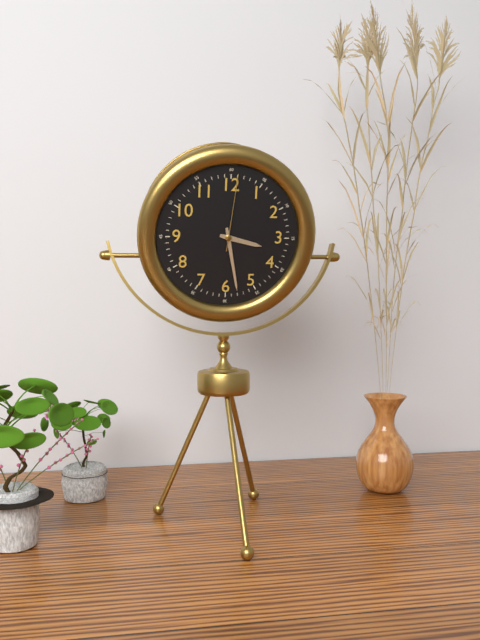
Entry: h=3 m=28 s=1
